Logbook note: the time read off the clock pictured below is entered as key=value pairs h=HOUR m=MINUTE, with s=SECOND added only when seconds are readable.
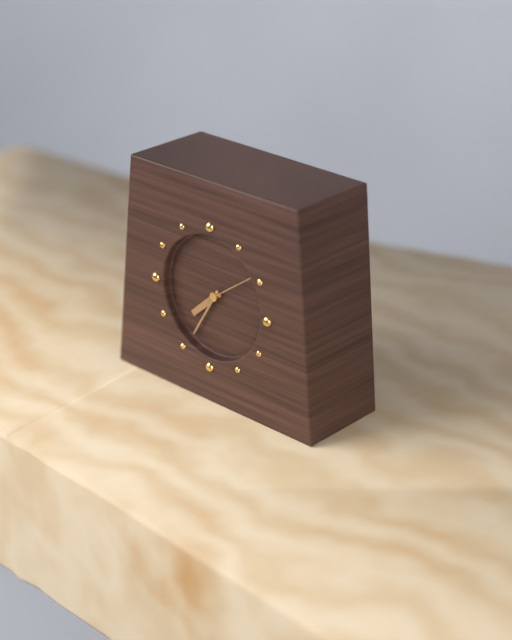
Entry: h=7 m=35 s=9
